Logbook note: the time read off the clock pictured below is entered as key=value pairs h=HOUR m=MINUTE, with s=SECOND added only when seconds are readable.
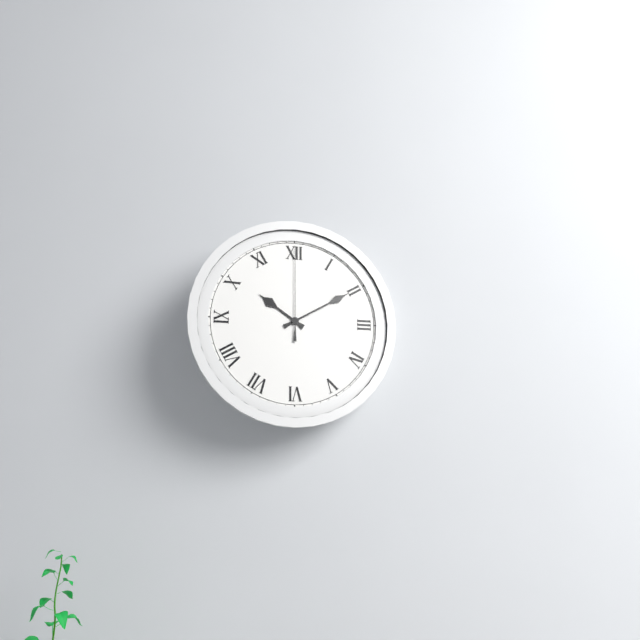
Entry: h=10 m=10 s=0
